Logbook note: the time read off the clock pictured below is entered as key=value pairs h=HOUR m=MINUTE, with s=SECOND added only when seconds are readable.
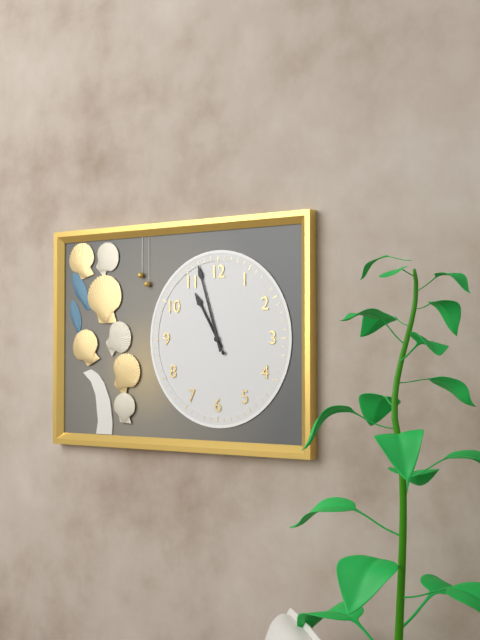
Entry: h=10 m=57 s=55
